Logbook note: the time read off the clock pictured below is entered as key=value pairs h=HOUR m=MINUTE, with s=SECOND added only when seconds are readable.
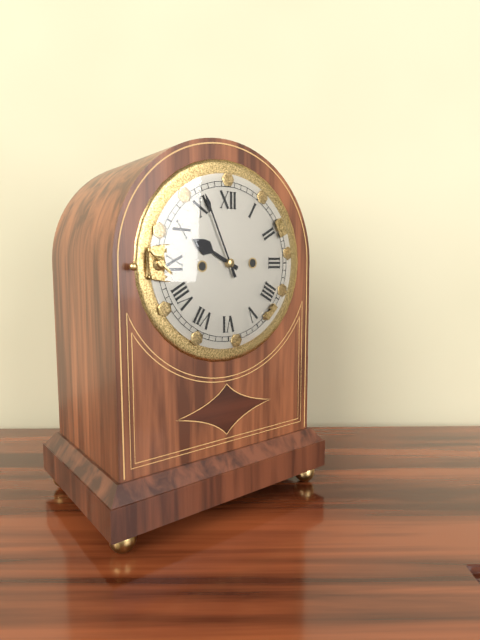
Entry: h=9 m=56
